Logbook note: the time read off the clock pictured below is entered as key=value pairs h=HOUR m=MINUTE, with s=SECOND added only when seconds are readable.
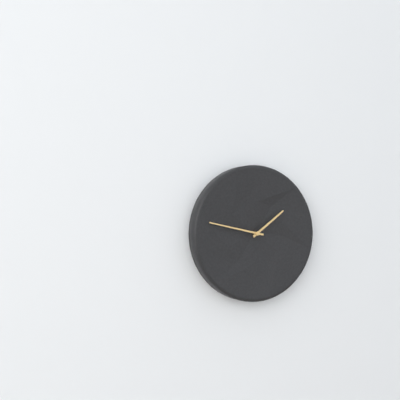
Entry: h=1 m=47
